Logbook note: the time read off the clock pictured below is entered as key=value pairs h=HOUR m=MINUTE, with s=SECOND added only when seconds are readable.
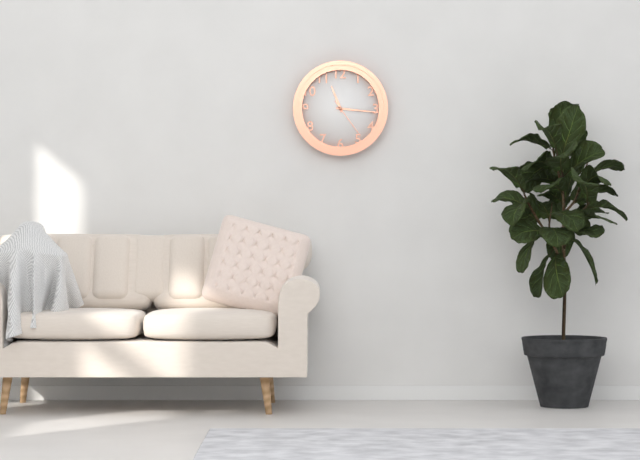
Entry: h=11 m=16
